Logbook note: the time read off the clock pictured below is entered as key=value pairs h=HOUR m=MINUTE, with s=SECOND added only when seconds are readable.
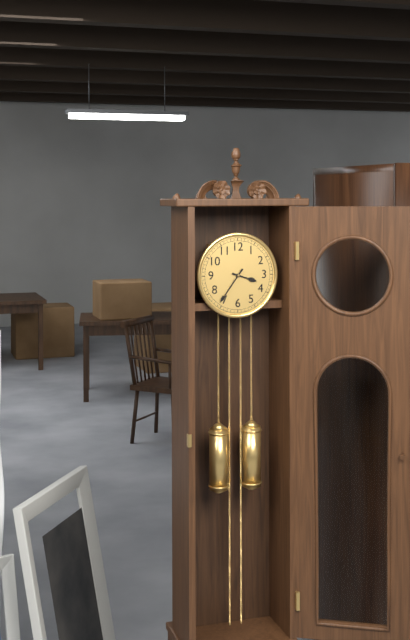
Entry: h=3 m=36
